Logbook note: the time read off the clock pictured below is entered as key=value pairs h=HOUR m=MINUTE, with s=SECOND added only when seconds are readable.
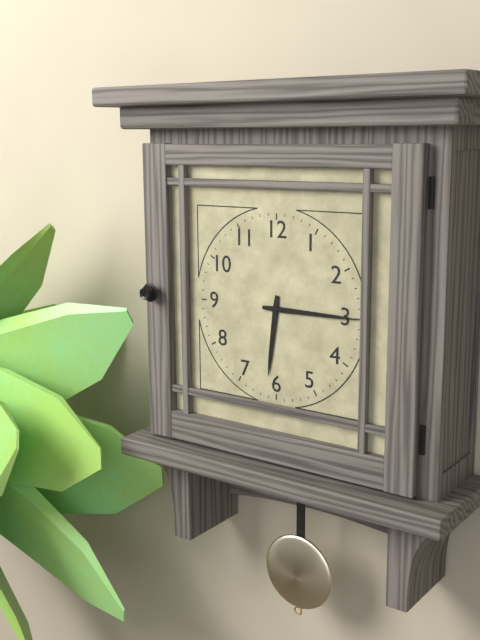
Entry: h=6 m=15
